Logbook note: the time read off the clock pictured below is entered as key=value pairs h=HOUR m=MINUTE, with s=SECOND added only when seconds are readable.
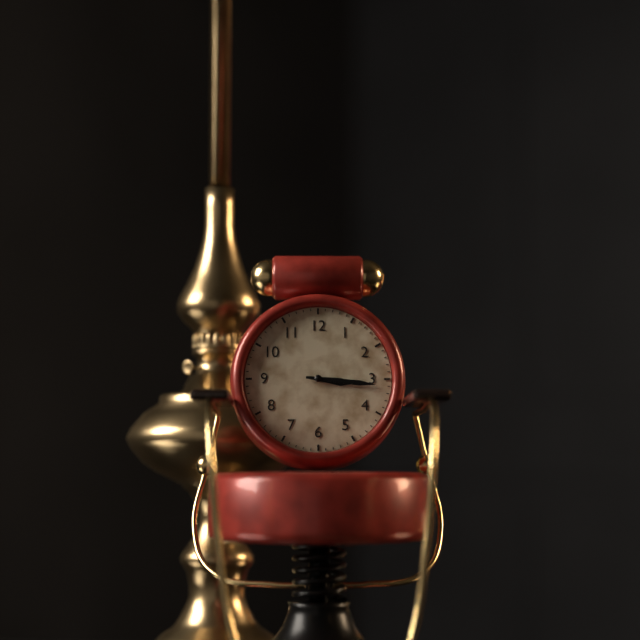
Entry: h=3 m=16
